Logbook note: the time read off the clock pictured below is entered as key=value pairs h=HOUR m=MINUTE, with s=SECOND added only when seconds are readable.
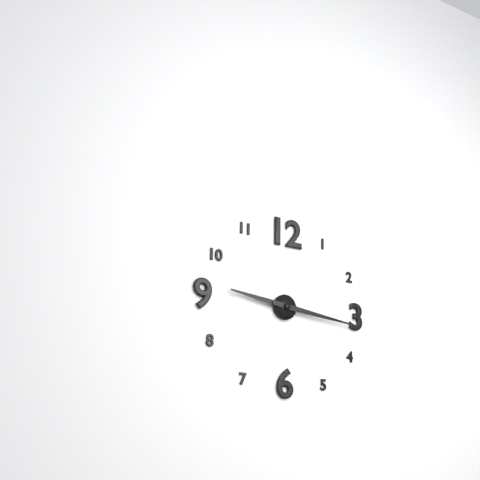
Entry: h=9 m=16
